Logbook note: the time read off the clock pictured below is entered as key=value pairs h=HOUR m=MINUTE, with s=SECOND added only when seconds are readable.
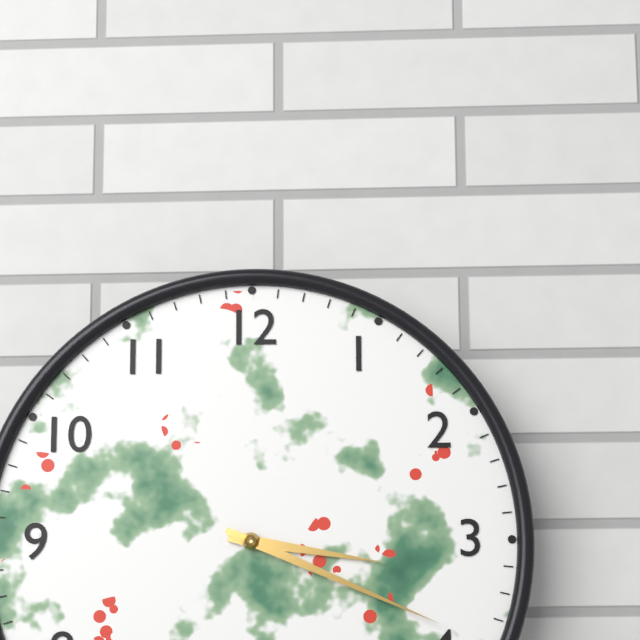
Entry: h=3 m=19
